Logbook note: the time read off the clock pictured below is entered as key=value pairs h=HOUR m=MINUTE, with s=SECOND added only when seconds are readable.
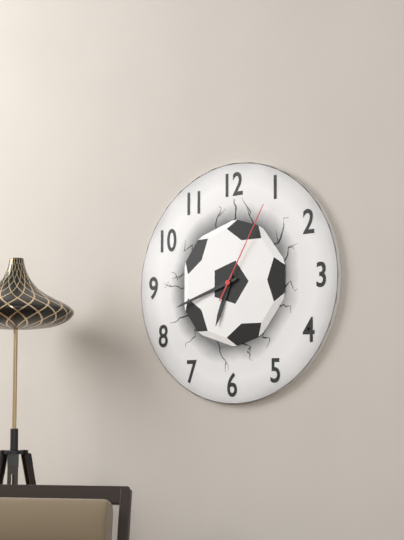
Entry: h=6 m=42 s=5
